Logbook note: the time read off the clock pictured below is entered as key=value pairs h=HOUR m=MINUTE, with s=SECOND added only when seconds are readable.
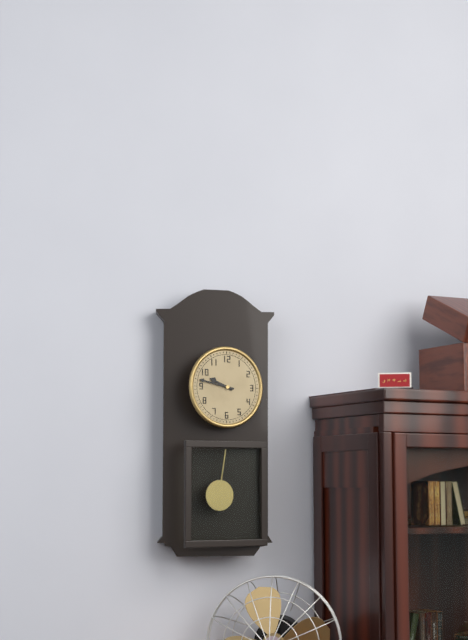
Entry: h=9 m=47
